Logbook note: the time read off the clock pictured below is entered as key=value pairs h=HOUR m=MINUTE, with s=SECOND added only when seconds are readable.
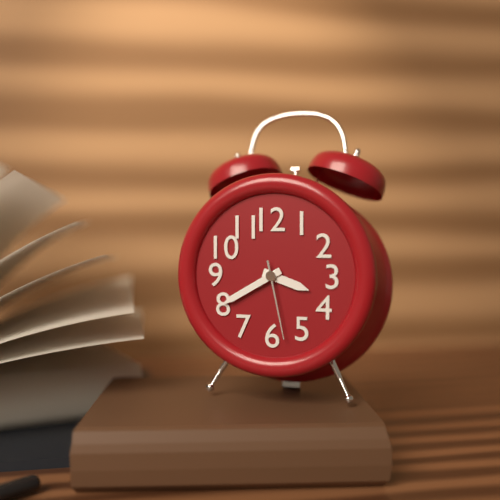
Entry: h=3 m=40 s=28
